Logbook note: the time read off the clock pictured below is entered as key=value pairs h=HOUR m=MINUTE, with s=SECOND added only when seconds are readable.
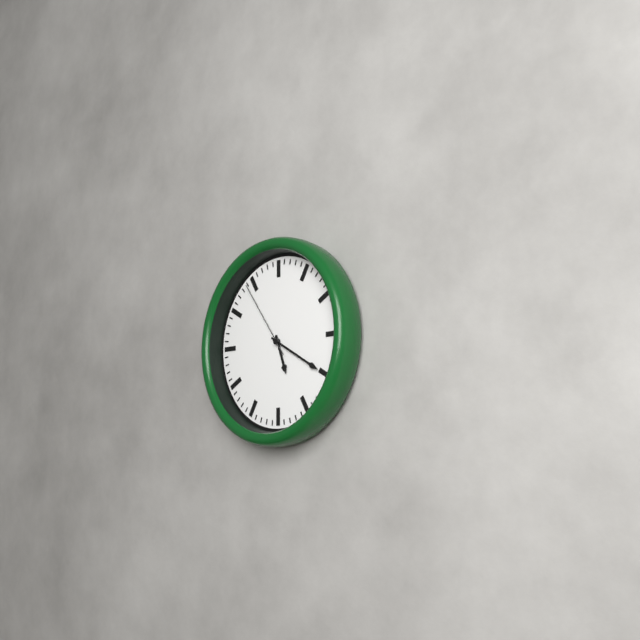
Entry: h=5 m=20 s=54
